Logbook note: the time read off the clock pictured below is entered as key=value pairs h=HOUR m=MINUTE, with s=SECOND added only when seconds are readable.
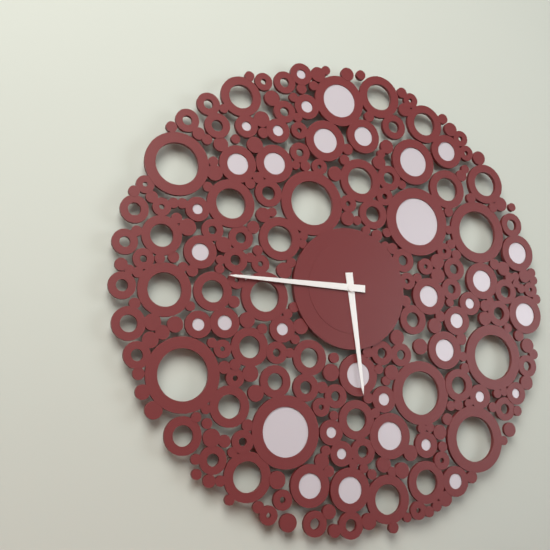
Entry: h=5 m=45
